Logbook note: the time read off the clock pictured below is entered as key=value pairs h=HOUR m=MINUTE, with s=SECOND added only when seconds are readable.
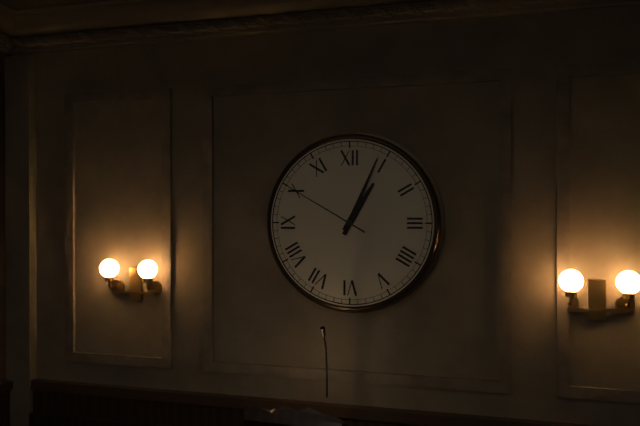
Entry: h=1 m=4 s=50
